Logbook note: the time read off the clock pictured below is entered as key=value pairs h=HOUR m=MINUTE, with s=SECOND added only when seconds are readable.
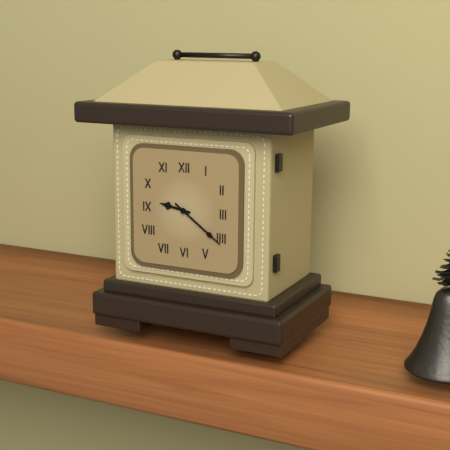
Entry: h=9 m=21
